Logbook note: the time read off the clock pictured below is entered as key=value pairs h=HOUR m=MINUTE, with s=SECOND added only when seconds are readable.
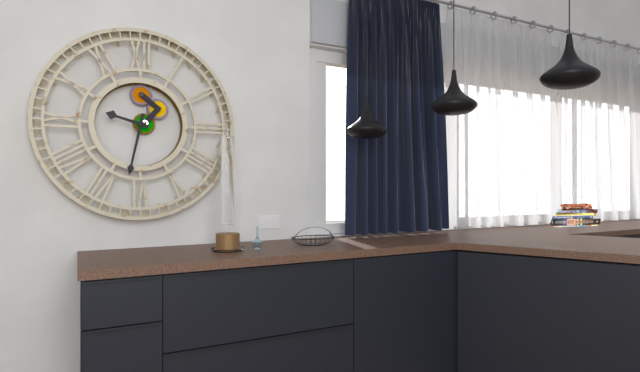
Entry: h=9 m=32
